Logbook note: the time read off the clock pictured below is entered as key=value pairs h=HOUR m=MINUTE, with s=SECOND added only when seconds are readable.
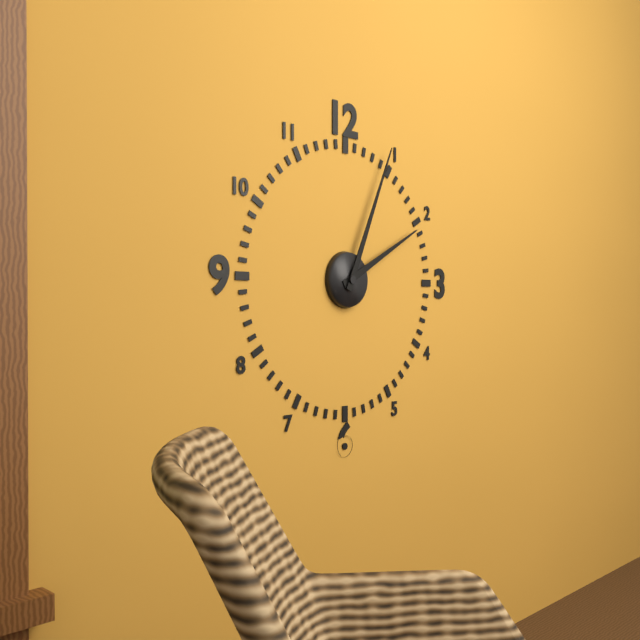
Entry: h=2 m=4
